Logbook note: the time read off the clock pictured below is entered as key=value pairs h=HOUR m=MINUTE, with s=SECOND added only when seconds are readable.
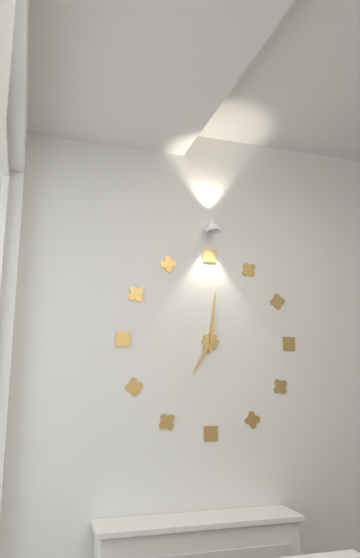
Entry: h=7 m=1
